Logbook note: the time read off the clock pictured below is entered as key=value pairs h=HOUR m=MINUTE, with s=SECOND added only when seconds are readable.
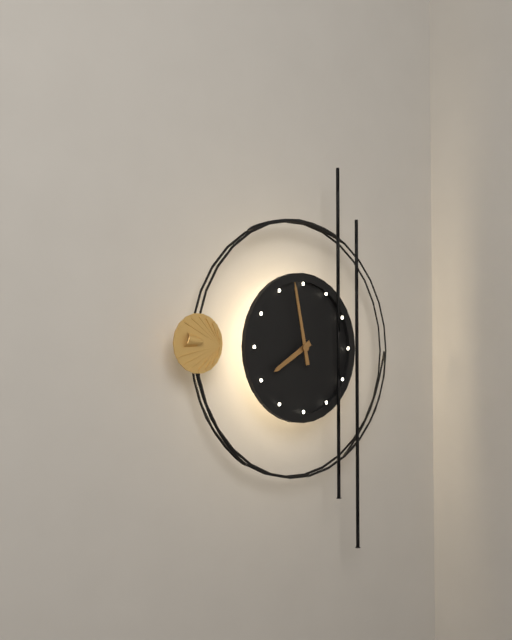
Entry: h=7 m=58
